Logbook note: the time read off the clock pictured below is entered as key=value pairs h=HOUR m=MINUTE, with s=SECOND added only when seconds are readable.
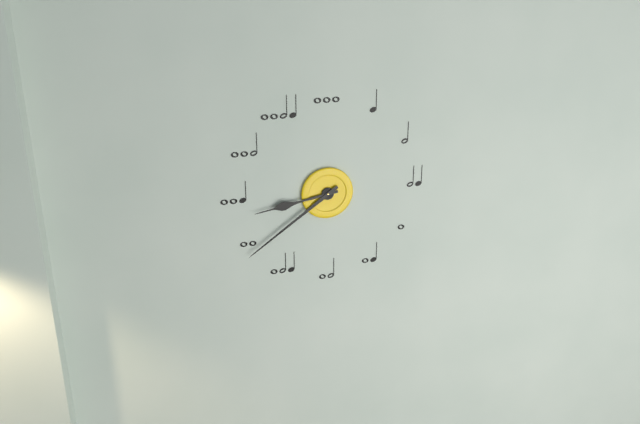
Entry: h=8 m=39
